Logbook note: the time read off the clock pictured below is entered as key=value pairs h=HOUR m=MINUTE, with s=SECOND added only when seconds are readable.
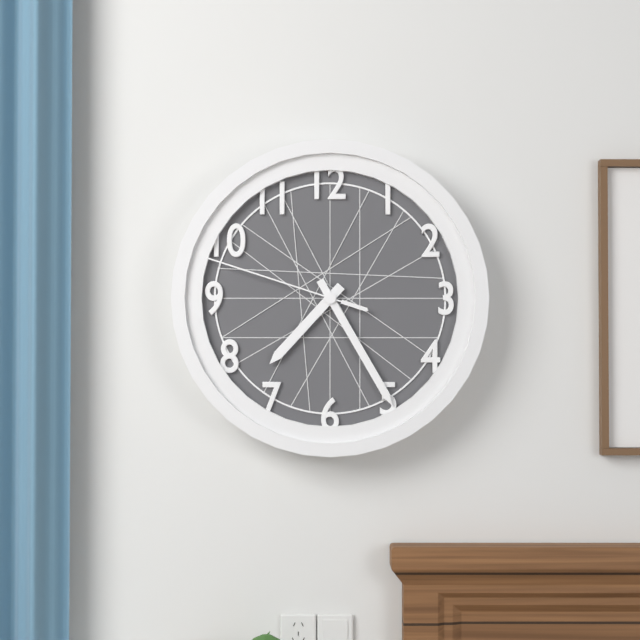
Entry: h=7 m=25 s=48
